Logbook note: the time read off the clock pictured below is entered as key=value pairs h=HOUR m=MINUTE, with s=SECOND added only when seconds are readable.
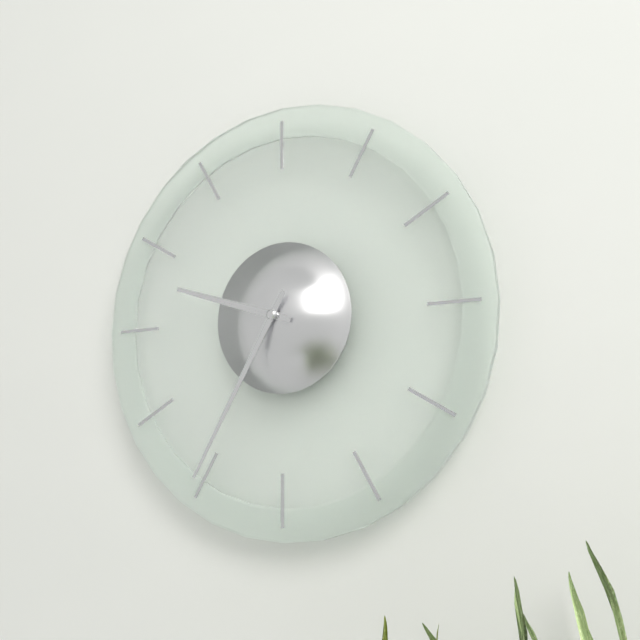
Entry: h=9 m=35
